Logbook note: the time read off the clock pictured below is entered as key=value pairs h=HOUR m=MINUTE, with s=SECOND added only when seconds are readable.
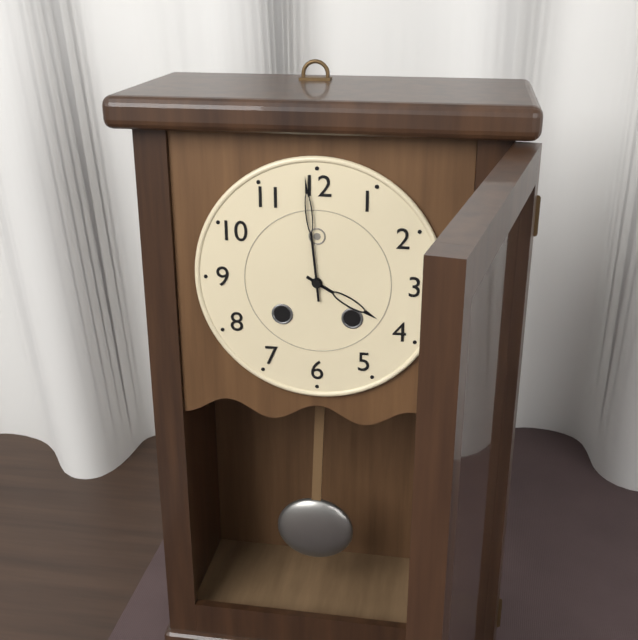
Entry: h=3 m=59
